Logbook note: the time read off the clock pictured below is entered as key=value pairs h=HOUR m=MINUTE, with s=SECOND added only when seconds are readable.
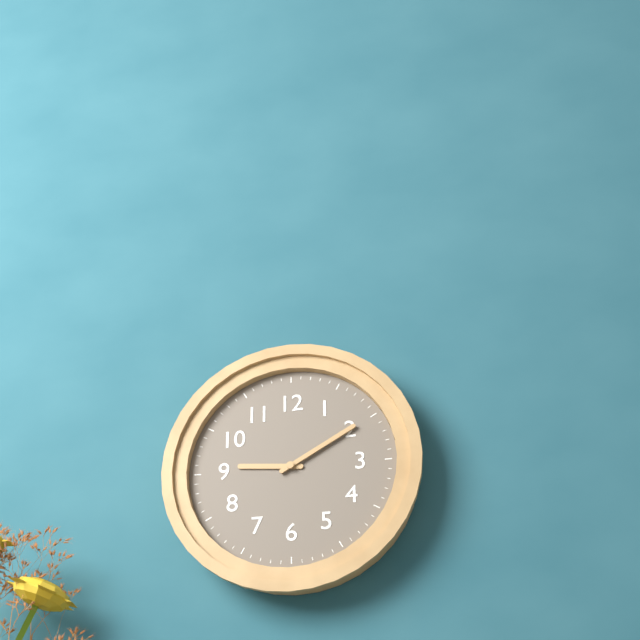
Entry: h=9 m=10
